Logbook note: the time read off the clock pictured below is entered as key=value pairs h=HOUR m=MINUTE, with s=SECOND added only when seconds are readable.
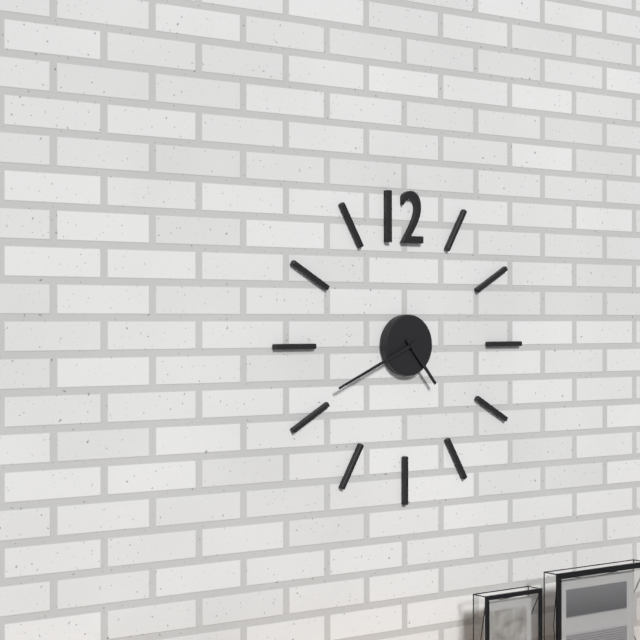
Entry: h=4 m=41
